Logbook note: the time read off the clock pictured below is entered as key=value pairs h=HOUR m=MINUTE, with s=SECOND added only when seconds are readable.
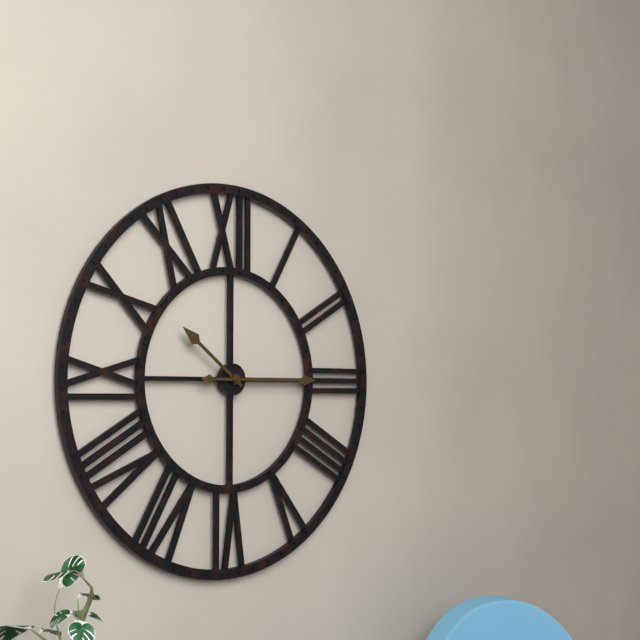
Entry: h=10 m=15
